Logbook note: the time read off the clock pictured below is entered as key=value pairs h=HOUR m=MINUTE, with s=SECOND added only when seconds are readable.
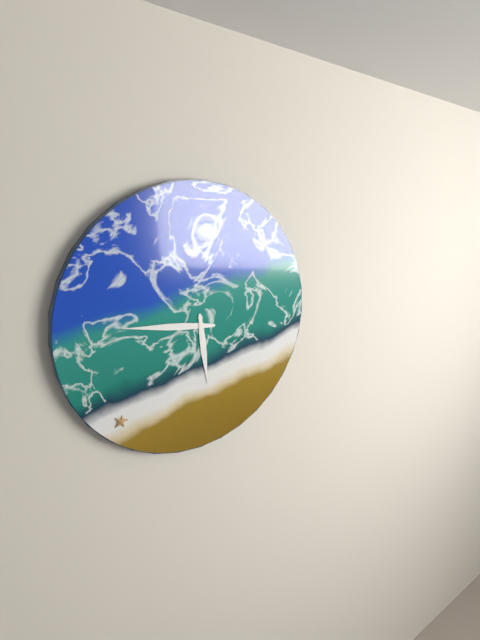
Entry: h=5 m=46
